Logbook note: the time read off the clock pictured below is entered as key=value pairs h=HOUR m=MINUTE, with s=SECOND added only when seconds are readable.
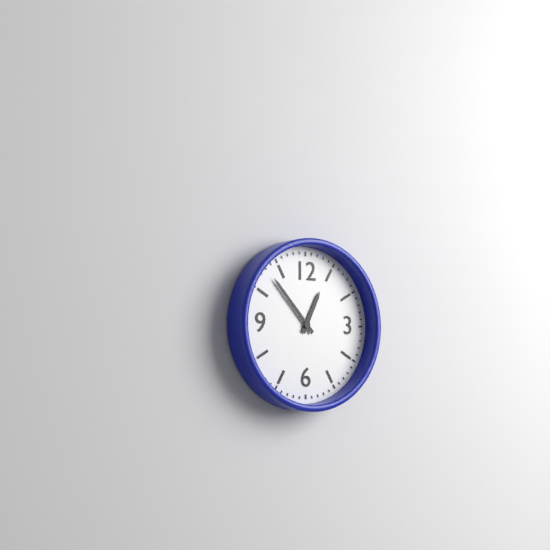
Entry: h=12 m=53
